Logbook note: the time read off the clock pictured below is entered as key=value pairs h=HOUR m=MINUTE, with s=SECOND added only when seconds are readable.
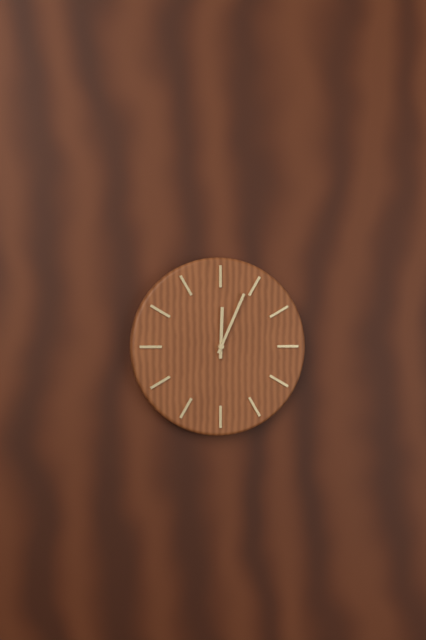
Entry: h=12 m=4
